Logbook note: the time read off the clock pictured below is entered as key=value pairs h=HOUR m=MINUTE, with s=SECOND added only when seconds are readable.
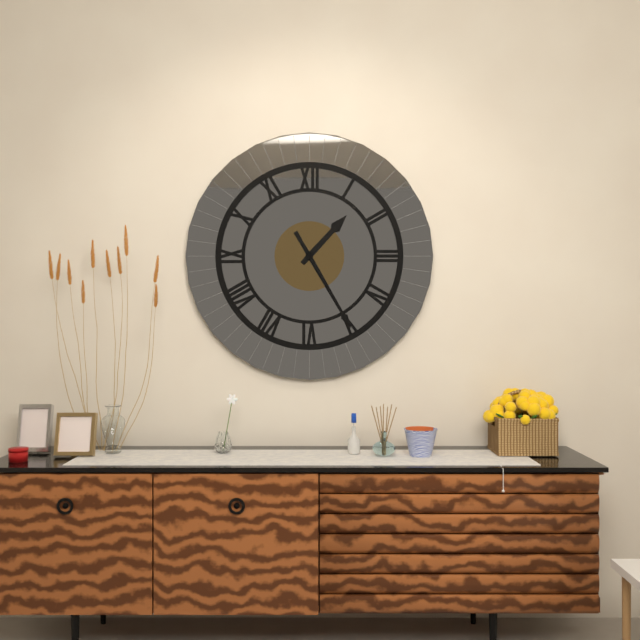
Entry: h=1 m=25 s=25
